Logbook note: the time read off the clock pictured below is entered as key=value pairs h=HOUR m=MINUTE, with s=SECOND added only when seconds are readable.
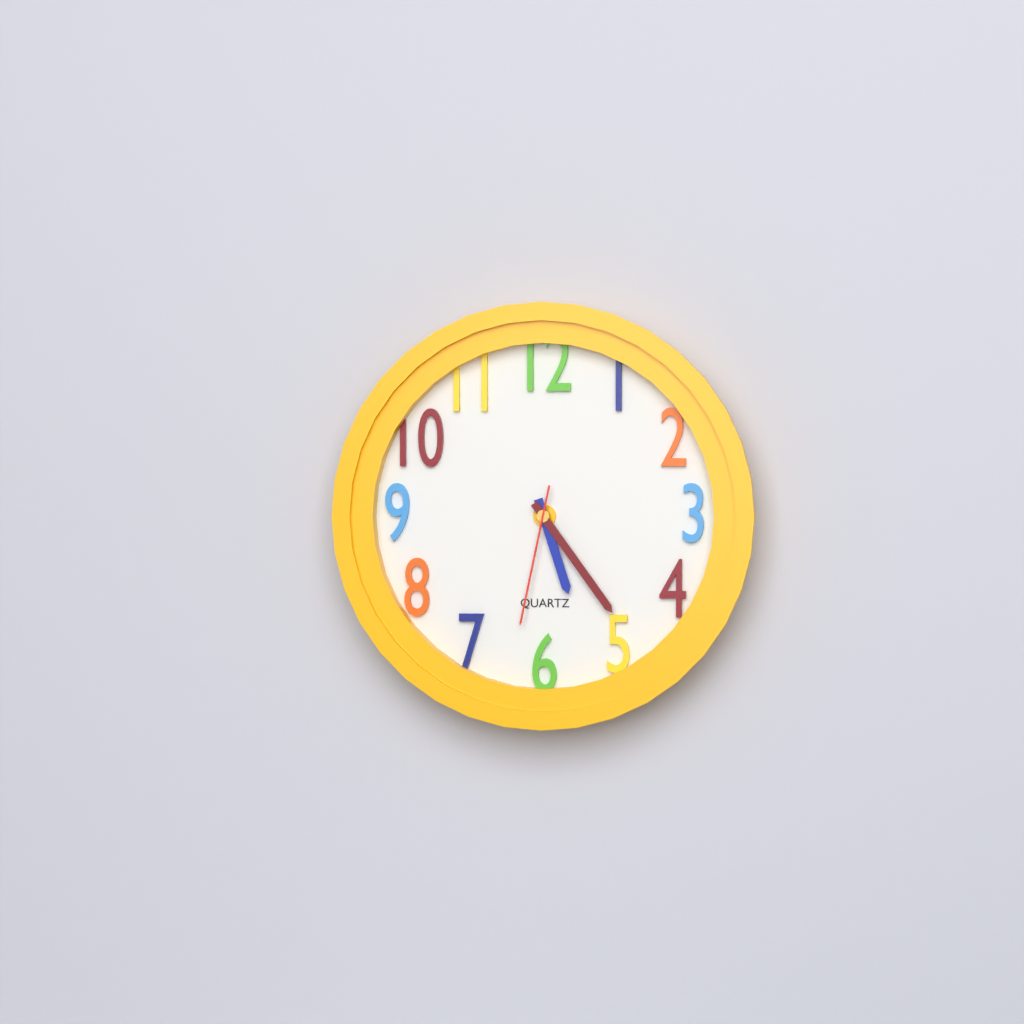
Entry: h=5 m=24 s=32
